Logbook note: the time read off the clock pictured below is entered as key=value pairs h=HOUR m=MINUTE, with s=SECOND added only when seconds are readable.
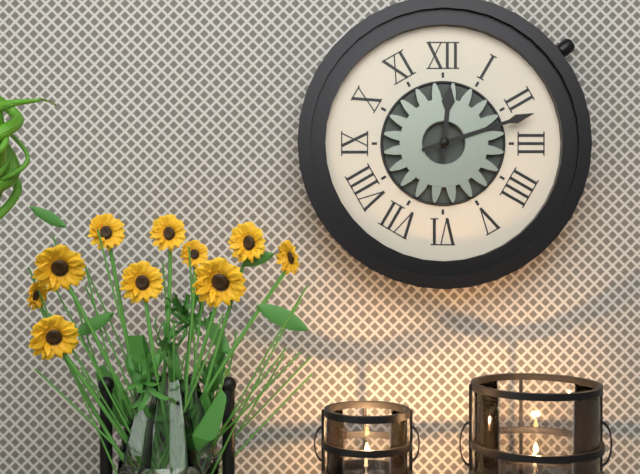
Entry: h=12 m=12
